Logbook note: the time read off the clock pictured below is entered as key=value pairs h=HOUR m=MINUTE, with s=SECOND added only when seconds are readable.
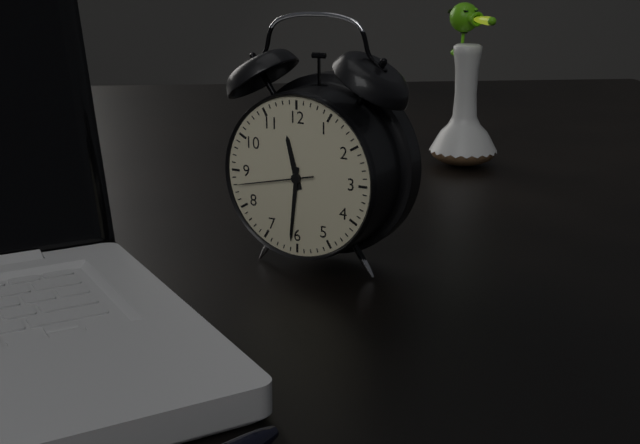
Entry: h=11 m=31 s=43
